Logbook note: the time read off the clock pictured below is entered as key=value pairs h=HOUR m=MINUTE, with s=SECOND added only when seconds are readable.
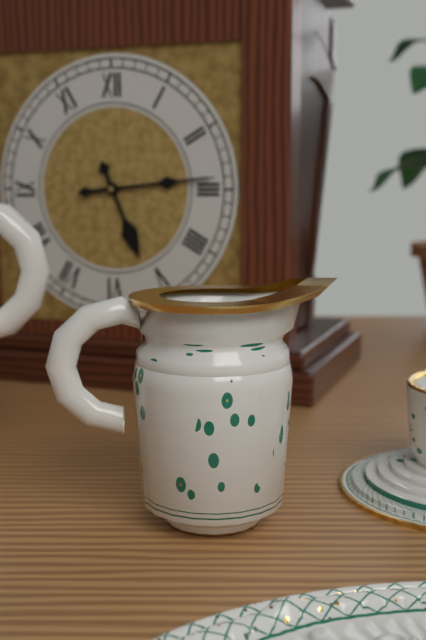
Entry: h=5 m=14
